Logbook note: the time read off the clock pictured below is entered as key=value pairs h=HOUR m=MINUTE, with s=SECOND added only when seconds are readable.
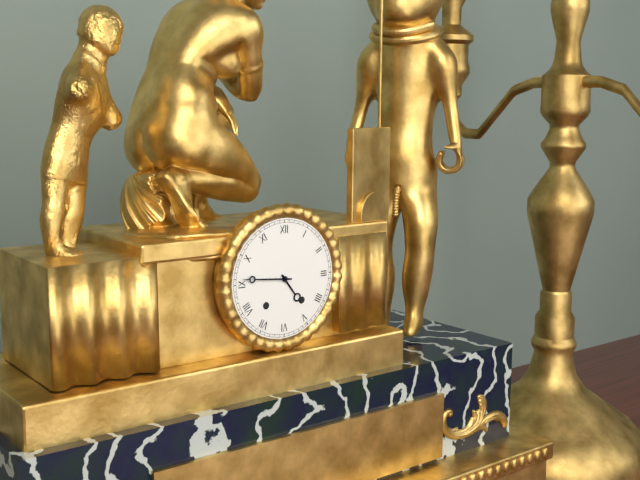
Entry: h=4 m=46
